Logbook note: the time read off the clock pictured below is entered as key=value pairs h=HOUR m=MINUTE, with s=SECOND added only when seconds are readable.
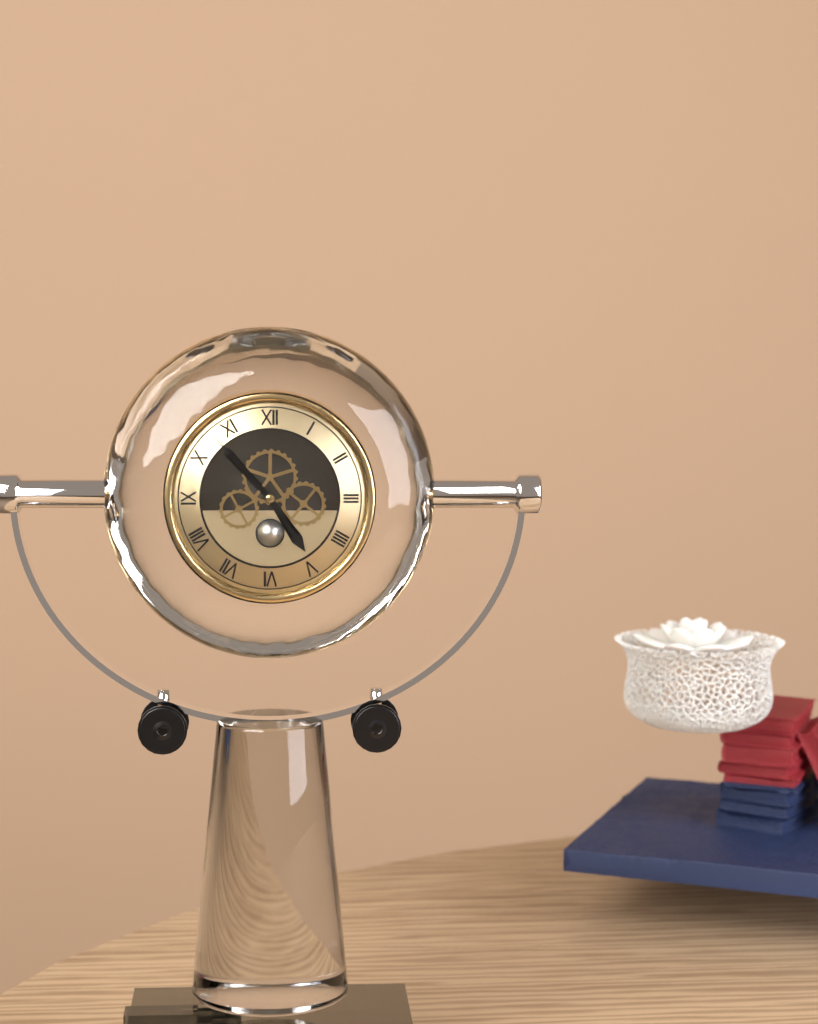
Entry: h=4 m=53
